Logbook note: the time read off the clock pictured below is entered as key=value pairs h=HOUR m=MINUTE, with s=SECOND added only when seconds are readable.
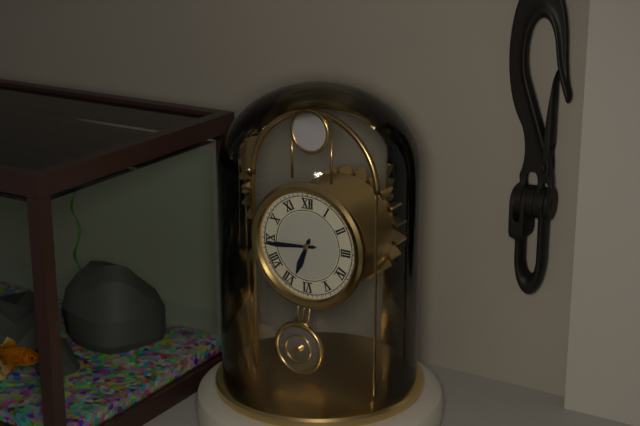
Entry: h=6 m=44
